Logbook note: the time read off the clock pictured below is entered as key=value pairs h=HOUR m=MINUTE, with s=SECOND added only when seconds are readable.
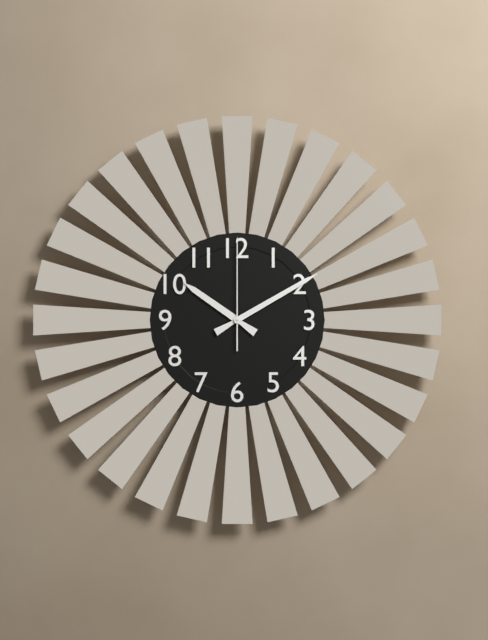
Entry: h=10 m=10 s=0
